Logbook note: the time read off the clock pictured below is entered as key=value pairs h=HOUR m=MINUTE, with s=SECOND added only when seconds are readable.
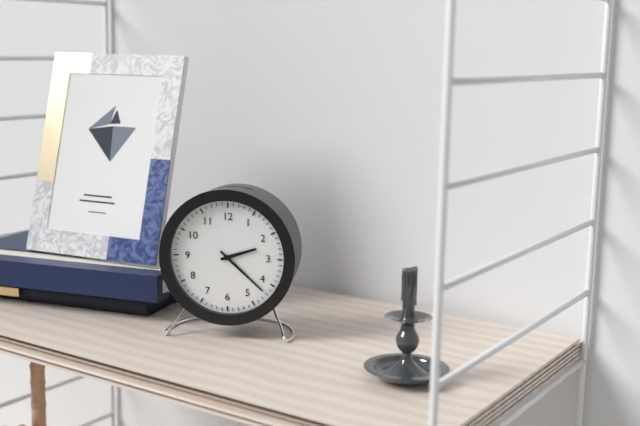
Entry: h=2 m=22
